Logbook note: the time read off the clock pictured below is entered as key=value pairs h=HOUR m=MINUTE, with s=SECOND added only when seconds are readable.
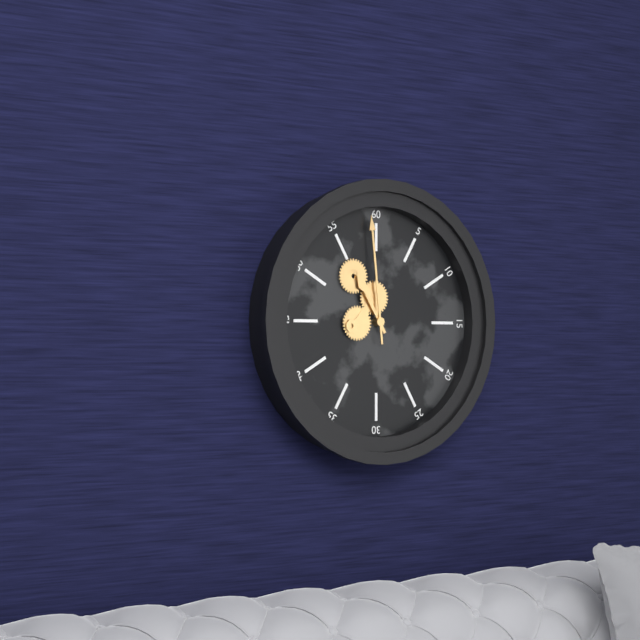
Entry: h=10 m=59
